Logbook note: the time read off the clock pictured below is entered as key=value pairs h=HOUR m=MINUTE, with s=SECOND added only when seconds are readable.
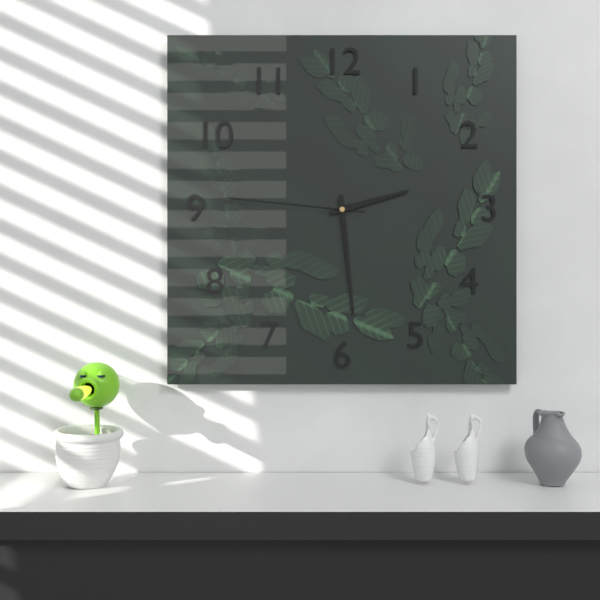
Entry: h=2 m=29 s=46
